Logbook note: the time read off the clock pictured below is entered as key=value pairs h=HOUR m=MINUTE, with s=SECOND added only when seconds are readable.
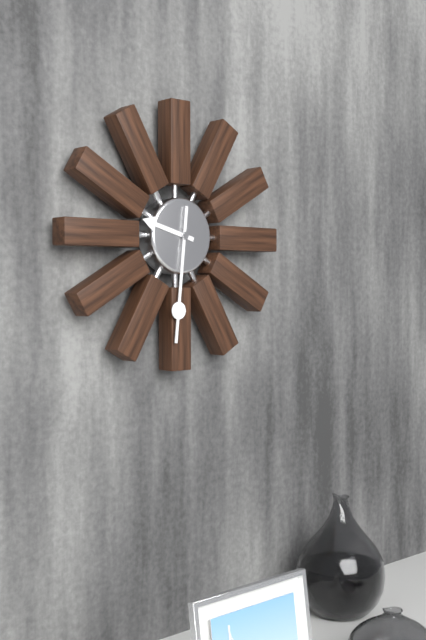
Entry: h=9 m=31
